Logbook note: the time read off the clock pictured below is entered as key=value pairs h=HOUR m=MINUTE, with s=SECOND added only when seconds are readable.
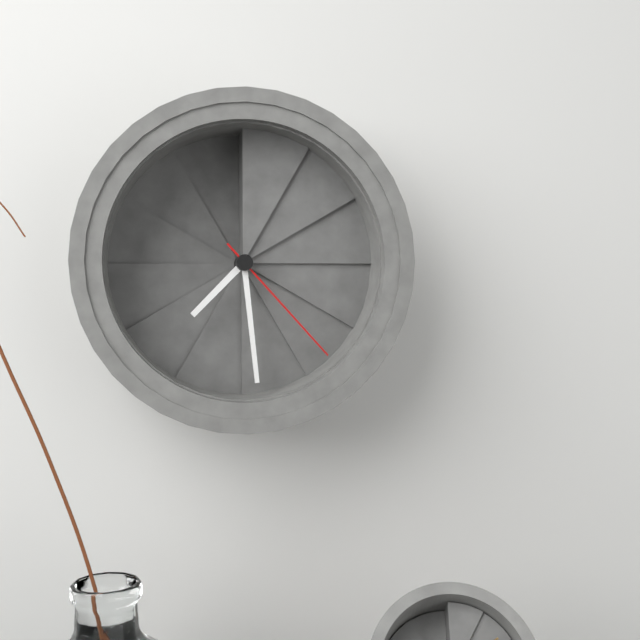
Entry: h=7 m=29 s=23
